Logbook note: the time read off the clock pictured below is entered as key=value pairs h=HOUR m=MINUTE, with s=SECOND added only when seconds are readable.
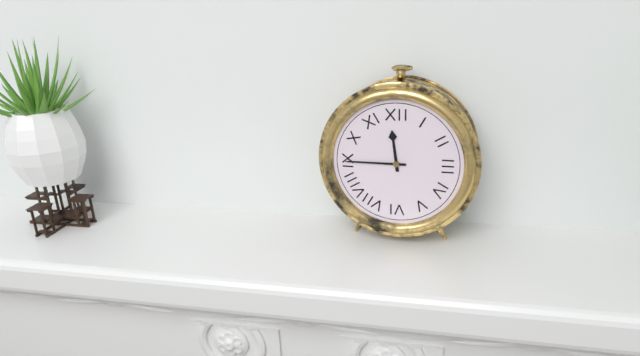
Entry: h=11 m=45
